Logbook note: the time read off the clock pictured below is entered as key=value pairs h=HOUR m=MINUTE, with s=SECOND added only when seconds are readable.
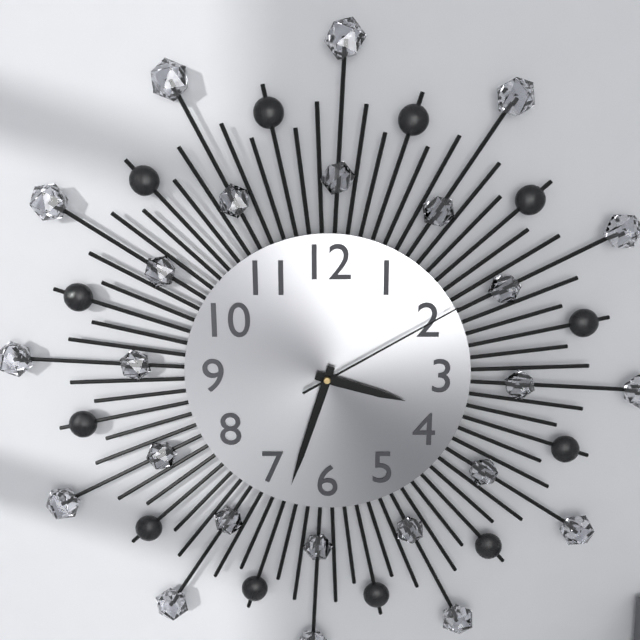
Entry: h=3 m=33 s=10
